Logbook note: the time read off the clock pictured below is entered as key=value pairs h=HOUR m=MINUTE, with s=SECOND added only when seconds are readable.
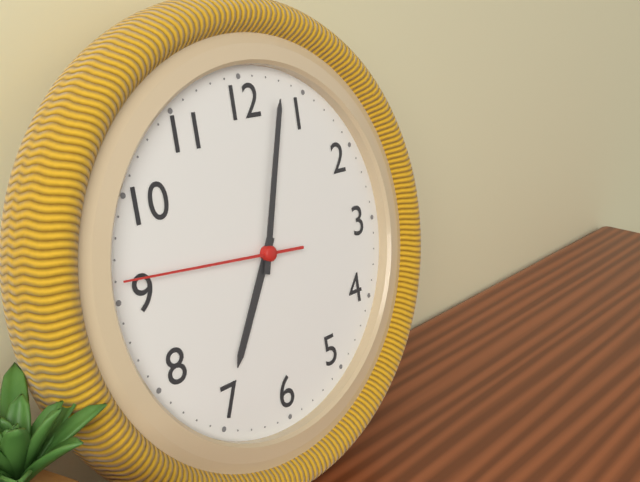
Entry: h=7 m=3 s=46
